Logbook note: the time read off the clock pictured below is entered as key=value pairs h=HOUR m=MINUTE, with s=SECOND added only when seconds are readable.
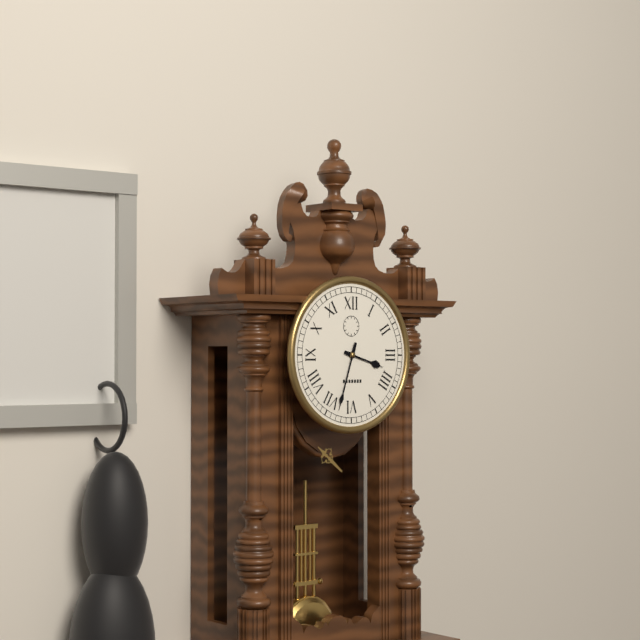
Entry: h=3 m=33
